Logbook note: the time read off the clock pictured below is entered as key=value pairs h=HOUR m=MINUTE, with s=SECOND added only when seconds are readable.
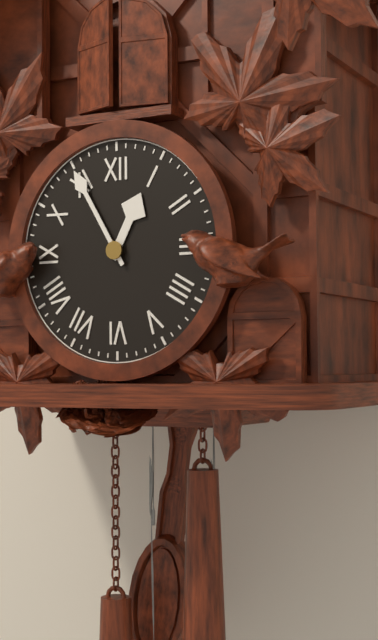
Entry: h=12 m=55
